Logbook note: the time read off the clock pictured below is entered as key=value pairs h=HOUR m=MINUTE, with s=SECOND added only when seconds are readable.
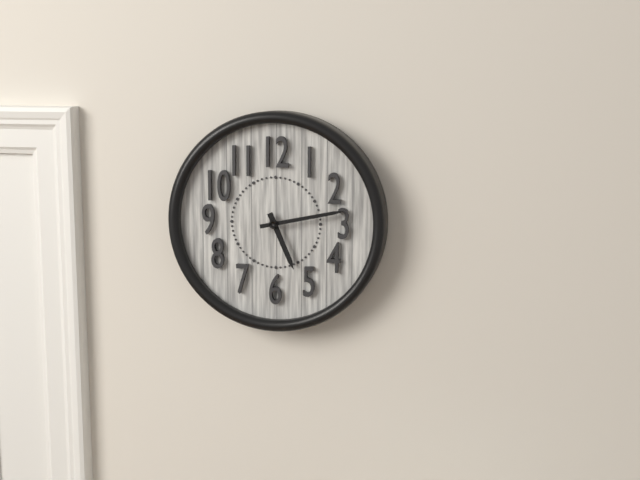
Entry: h=5 m=13
